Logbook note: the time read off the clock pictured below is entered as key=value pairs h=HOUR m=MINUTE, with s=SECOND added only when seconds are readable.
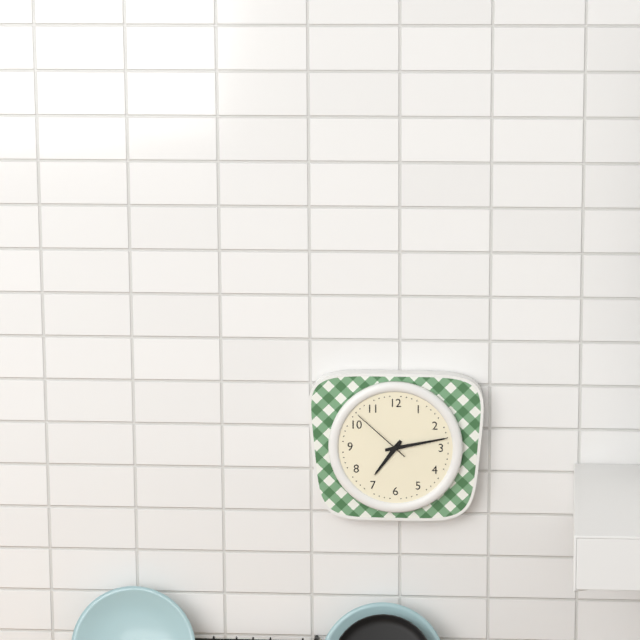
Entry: h=7 m=13 s=52
